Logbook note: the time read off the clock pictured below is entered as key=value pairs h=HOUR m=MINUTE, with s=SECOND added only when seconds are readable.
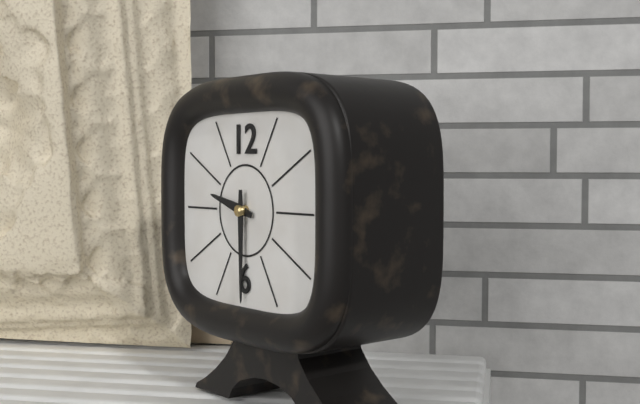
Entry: h=9 m=30
